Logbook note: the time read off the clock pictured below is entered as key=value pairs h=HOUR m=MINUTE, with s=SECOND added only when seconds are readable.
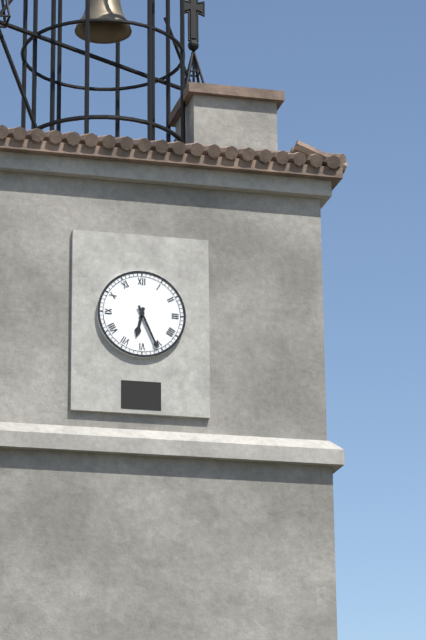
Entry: h=6 m=26
